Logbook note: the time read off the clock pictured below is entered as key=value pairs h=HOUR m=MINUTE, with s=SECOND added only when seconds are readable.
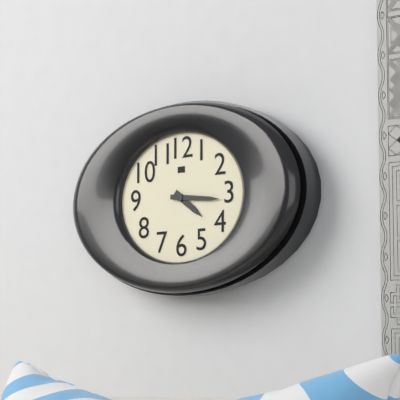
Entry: h=4 m=16
